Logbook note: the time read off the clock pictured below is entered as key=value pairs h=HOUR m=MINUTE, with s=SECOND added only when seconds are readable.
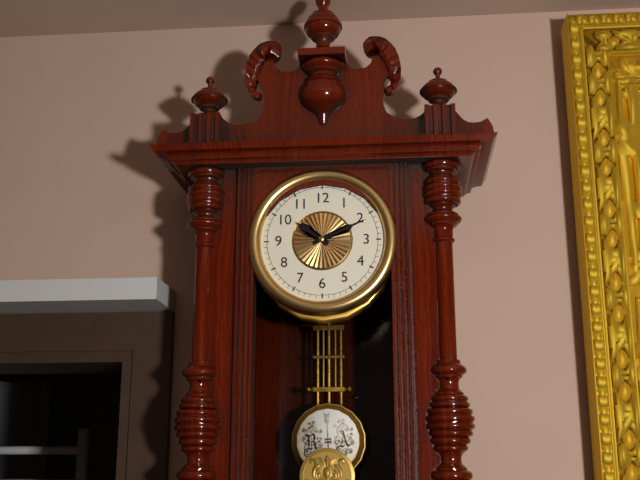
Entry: h=10 m=11
